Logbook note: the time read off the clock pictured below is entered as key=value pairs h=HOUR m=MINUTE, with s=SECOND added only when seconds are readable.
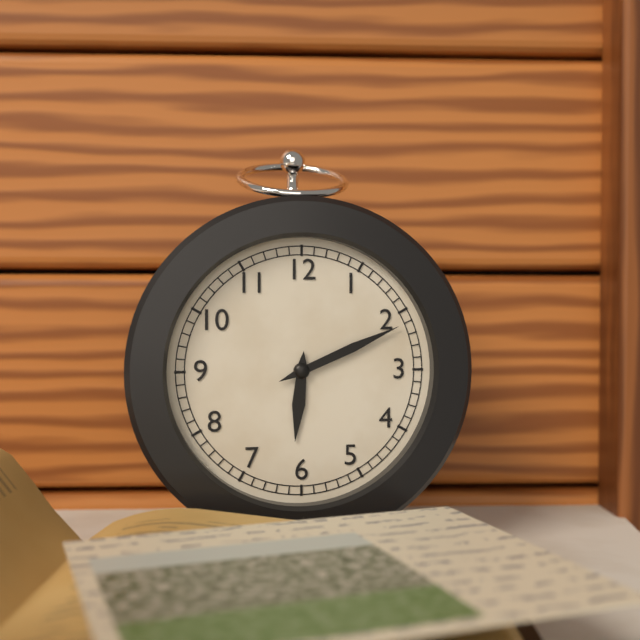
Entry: h=6 m=11
